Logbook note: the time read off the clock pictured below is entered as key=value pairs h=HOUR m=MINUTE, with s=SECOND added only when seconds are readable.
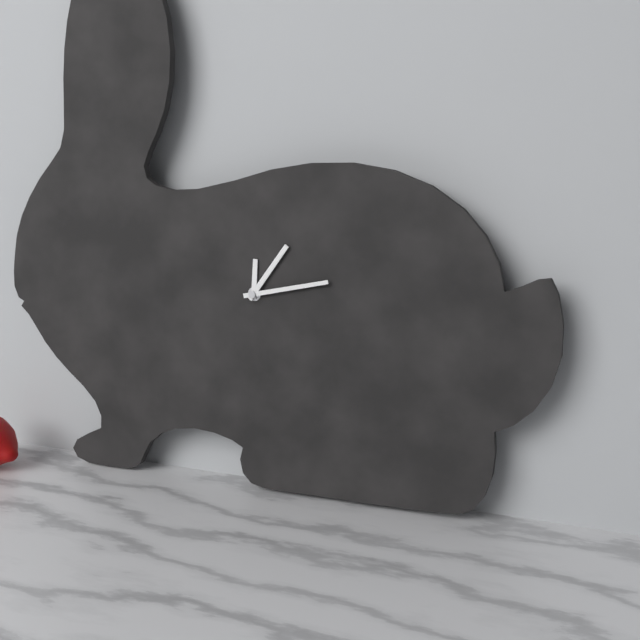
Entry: h=12 m=6 s=13
